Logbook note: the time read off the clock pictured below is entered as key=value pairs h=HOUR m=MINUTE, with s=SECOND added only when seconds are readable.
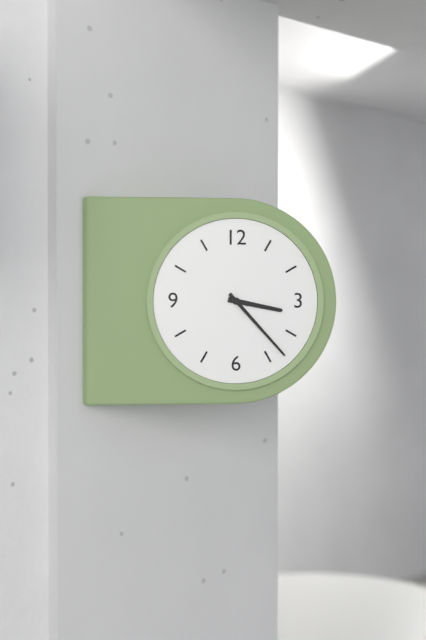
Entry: h=3 m=23
